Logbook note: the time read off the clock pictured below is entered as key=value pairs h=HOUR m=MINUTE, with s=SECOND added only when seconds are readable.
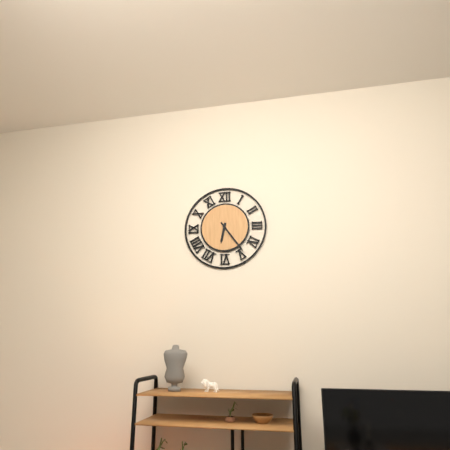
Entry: h=6 m=24
